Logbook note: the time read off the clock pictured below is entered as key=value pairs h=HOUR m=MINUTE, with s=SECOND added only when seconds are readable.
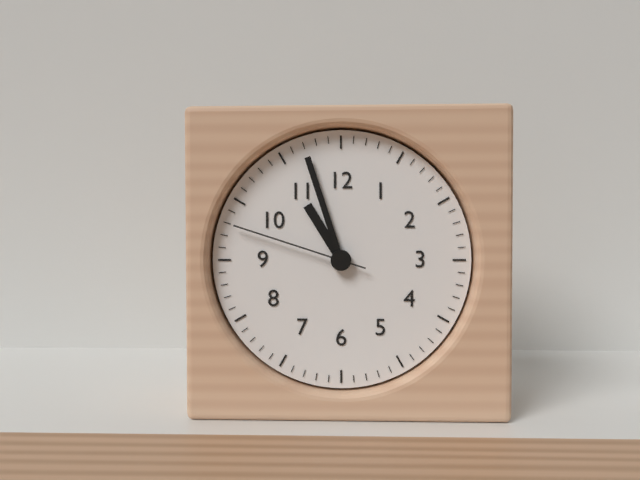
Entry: h=10 m=57 s=48
